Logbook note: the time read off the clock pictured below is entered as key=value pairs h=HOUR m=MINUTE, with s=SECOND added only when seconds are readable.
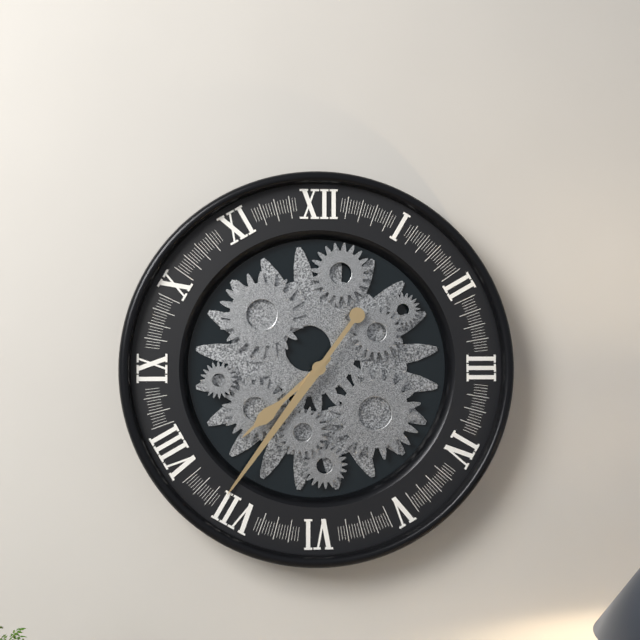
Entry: h=7 m=36
